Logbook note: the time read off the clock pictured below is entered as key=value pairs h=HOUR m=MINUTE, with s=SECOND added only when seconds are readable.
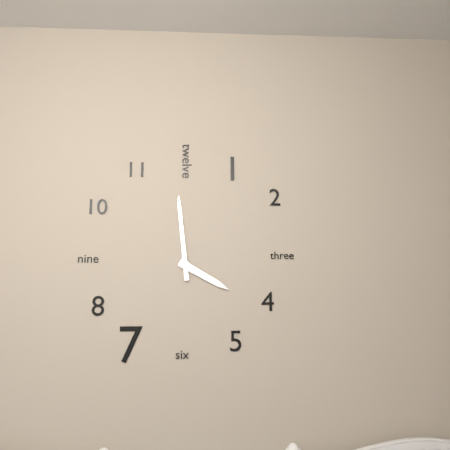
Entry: h=3 m=59
